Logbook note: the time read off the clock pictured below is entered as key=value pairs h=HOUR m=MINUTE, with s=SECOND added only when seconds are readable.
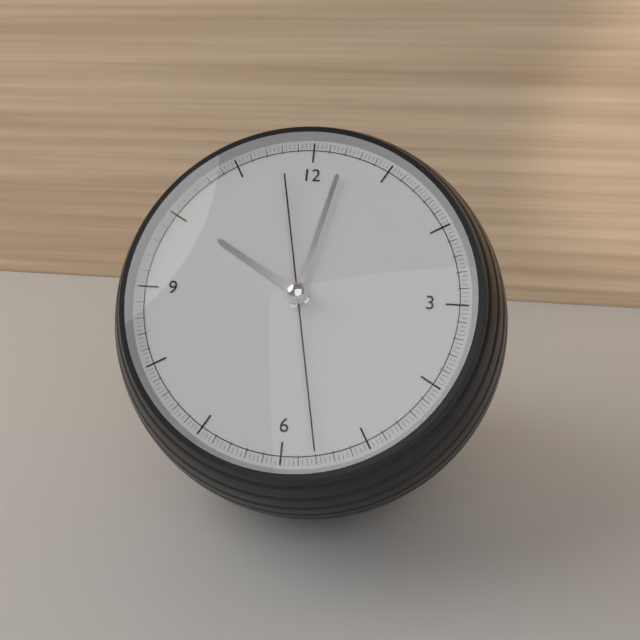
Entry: h=10 m=2 s=28
